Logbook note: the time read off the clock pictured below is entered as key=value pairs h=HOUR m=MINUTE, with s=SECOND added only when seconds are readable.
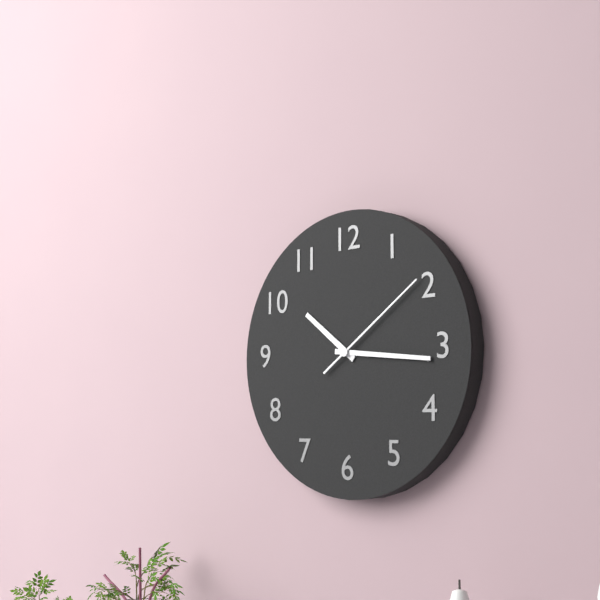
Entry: h=10 m=16 s=9
